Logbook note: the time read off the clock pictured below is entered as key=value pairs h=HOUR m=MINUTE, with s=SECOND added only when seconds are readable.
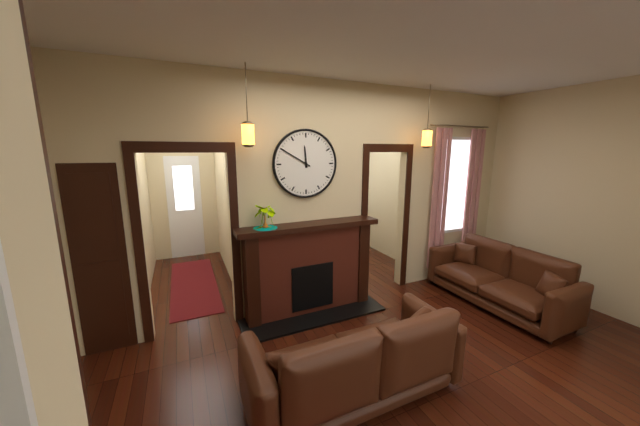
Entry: h=11 m=50
